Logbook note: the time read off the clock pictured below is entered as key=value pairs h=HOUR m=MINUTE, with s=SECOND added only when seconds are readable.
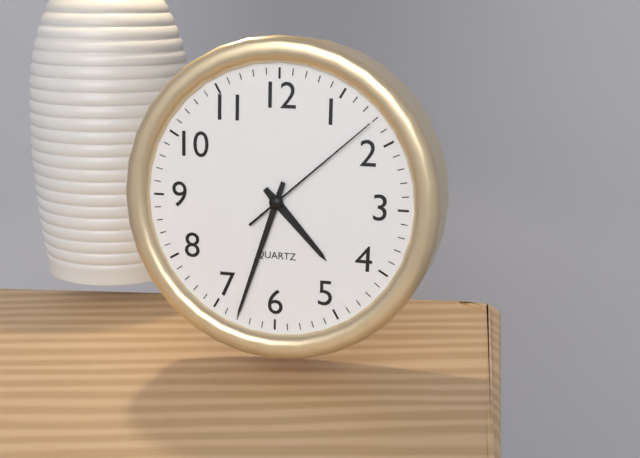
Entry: h=4 m=33 s=8
